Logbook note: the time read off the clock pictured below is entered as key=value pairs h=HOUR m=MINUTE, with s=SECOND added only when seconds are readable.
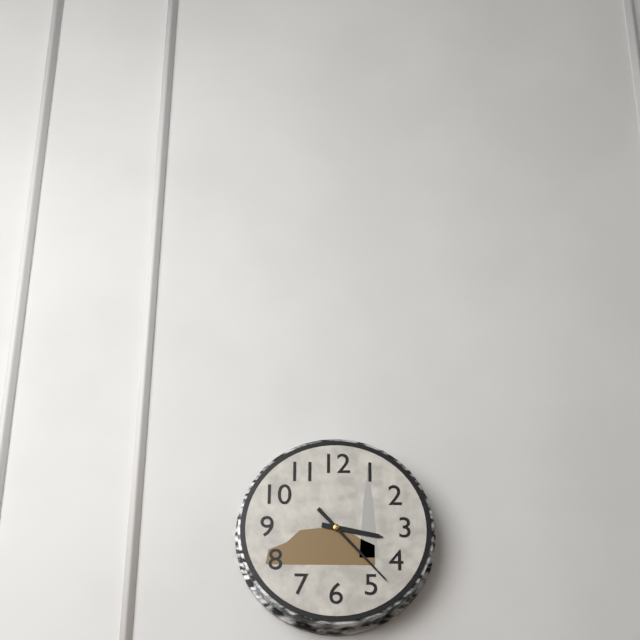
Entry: h=3 m=23
